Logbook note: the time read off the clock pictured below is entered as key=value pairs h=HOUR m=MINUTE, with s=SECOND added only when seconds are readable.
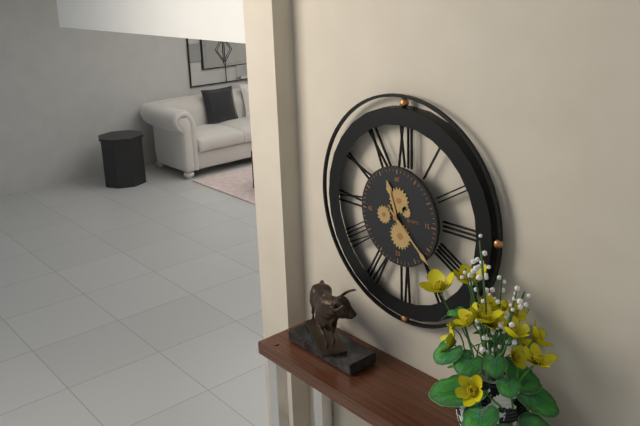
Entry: h=11 m=22
